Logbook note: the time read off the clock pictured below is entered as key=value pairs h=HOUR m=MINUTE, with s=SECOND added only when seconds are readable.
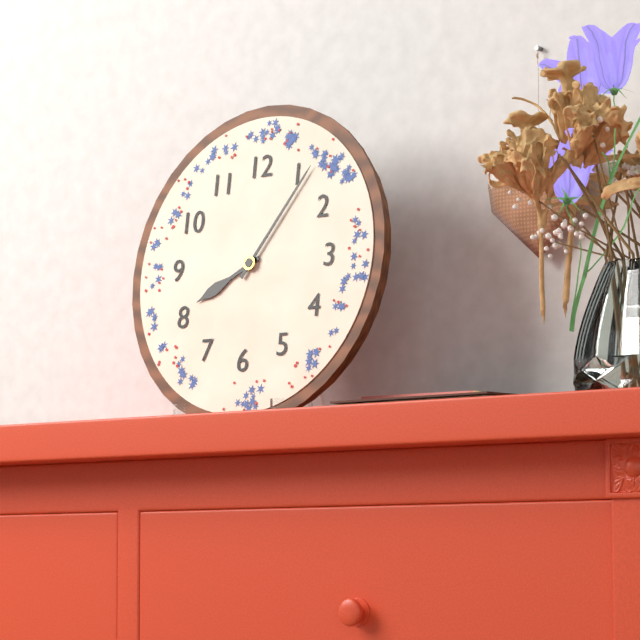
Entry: h=8 m=6
